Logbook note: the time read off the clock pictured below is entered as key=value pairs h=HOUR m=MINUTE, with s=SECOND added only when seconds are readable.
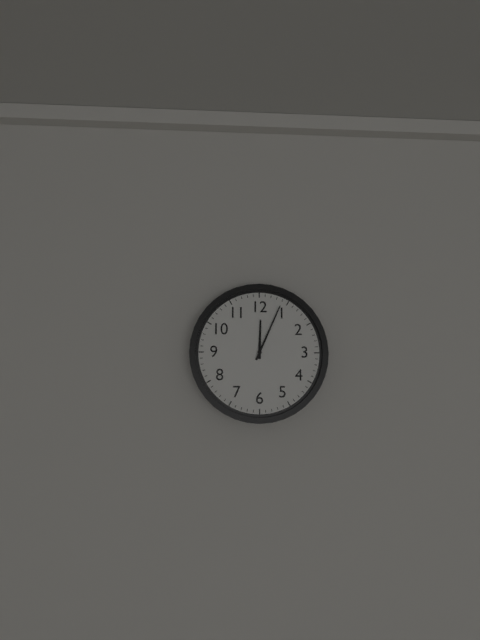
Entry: h=12 m=4
